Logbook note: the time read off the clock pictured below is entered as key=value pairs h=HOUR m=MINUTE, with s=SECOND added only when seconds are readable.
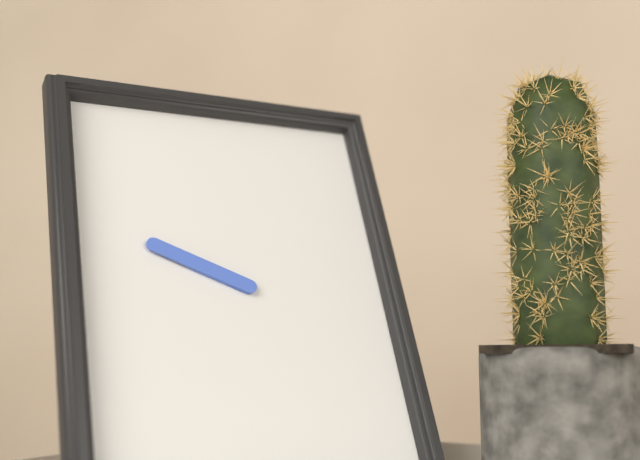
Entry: h=9 m=49
